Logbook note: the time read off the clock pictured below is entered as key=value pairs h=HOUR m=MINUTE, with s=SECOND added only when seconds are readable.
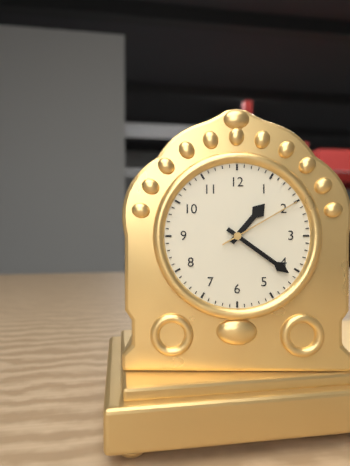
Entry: h=1 m=21 s=10
